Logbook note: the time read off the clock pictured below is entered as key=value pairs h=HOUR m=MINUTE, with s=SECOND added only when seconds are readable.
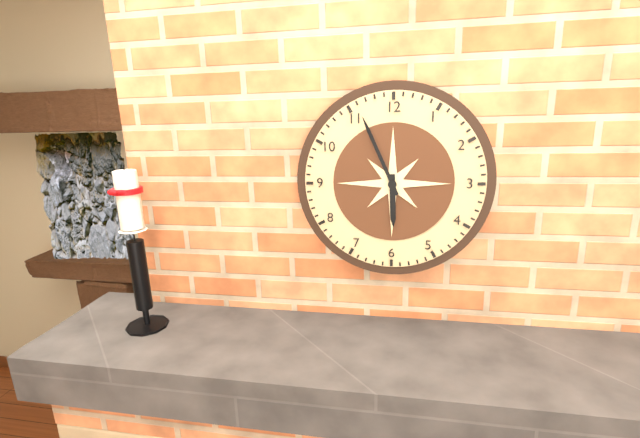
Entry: h=5 m=56
